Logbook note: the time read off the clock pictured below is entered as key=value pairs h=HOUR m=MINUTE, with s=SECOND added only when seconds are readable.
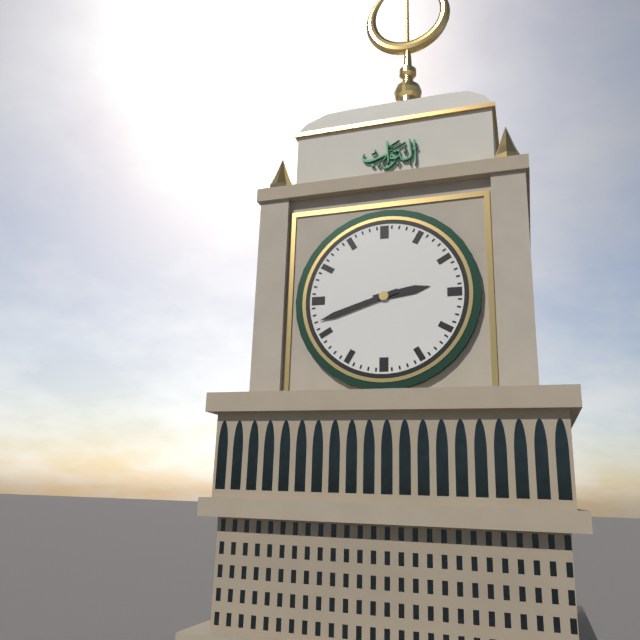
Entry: h=2 m=42
